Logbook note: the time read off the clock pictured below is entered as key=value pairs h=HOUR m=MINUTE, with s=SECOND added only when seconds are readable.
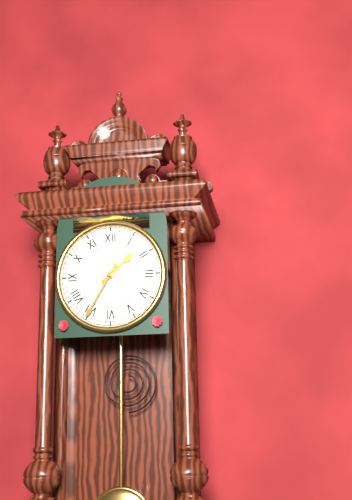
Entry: h=1 m=35
